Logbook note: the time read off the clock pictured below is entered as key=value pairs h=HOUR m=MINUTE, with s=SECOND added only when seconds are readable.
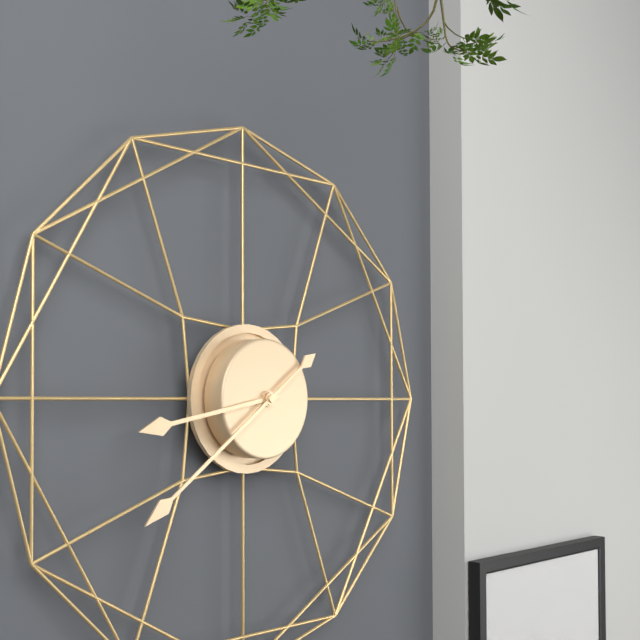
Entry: h=8 m=39
